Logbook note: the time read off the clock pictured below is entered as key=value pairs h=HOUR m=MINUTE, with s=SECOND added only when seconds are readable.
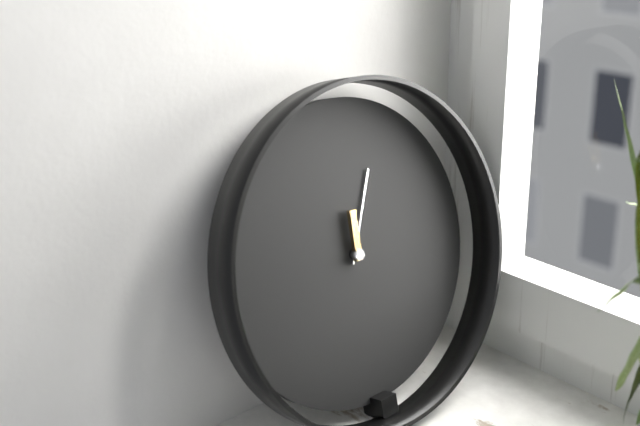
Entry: h=12 m=4
